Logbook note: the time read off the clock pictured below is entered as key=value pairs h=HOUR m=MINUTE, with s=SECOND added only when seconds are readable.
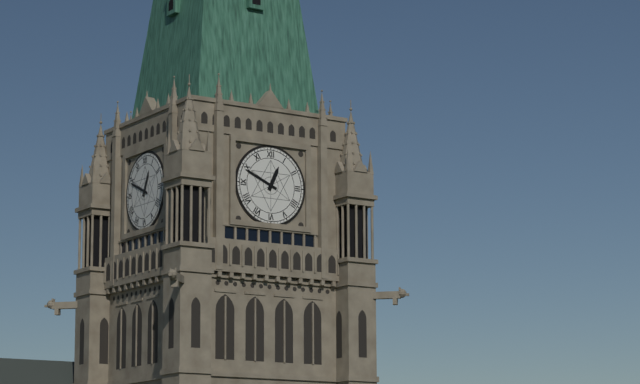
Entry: h=12 m=49
